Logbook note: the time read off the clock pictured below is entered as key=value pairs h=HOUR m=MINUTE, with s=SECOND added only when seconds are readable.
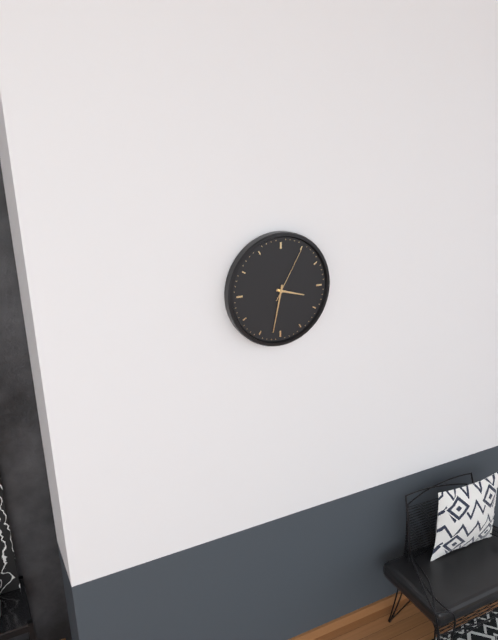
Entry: h=3 m=32 s=5
